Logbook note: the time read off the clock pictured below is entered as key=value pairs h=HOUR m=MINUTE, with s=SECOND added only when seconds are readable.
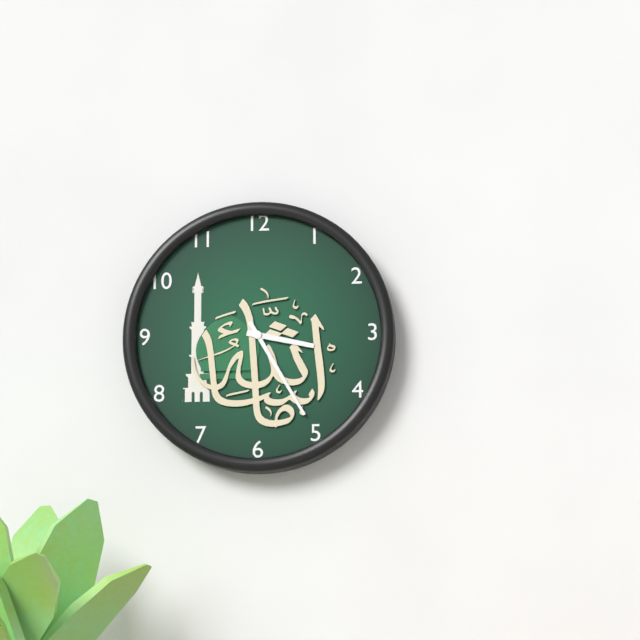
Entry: h=3 m=25
